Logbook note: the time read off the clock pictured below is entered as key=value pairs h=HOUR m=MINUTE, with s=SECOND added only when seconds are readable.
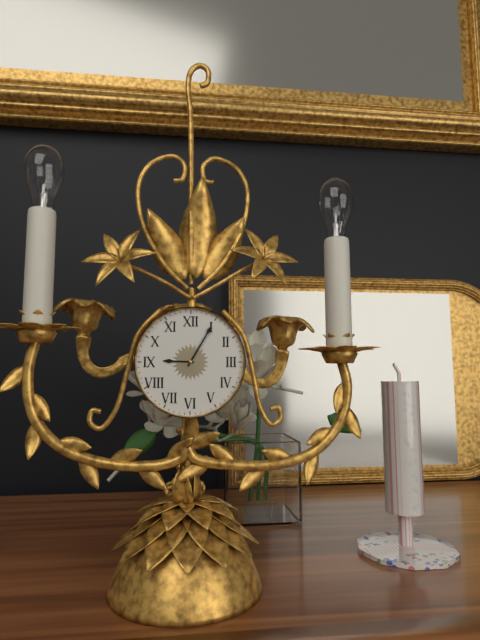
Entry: h=9 m=5
